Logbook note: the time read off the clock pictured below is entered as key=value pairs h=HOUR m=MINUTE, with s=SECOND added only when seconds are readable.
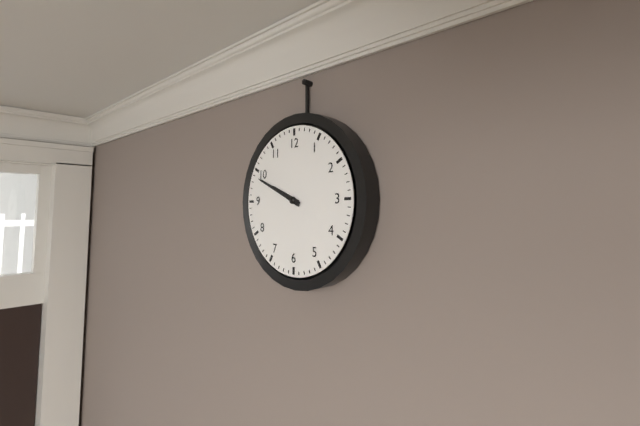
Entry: h=9 m=49
